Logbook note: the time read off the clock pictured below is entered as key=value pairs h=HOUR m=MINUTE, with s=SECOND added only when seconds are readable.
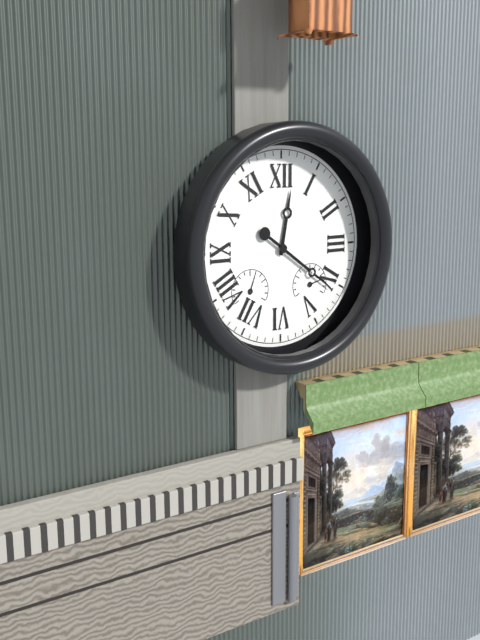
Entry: h=12 m=21
